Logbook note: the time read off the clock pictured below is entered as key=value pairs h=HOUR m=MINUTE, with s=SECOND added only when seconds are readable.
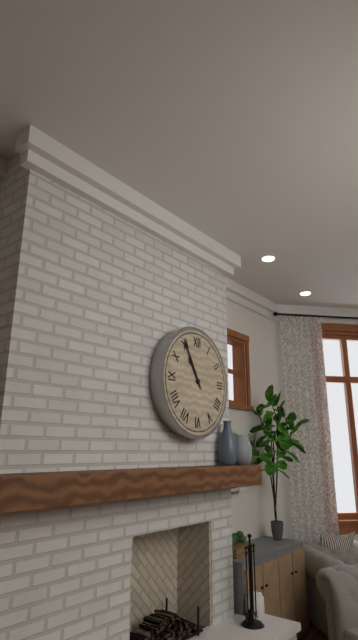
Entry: h=10 m=55
